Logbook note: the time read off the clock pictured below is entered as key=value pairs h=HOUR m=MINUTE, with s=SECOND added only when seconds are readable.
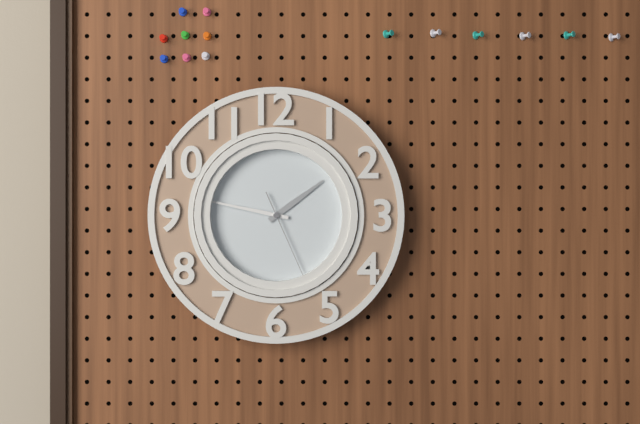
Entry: h=1 m=47 s=26
